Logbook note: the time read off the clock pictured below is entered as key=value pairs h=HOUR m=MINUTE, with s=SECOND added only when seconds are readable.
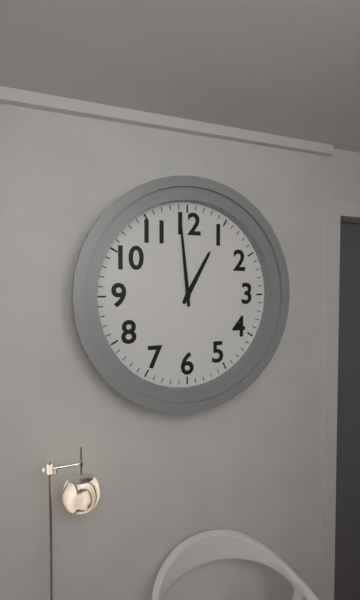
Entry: h=12 m=59
